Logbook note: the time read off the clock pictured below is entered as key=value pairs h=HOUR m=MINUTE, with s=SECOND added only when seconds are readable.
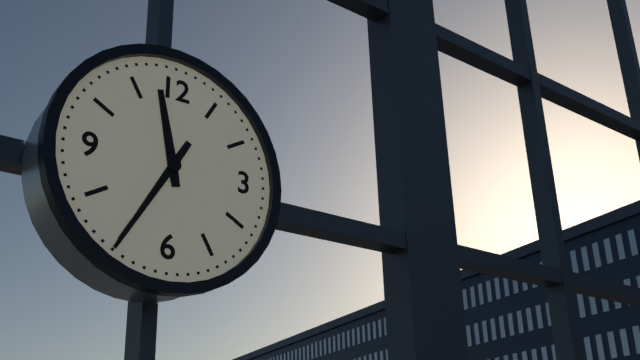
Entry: h=11 m=35
